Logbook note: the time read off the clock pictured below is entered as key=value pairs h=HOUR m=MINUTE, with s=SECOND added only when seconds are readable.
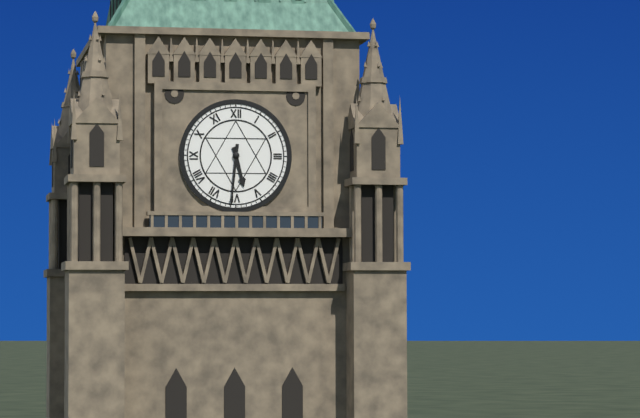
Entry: h=5 m=31
